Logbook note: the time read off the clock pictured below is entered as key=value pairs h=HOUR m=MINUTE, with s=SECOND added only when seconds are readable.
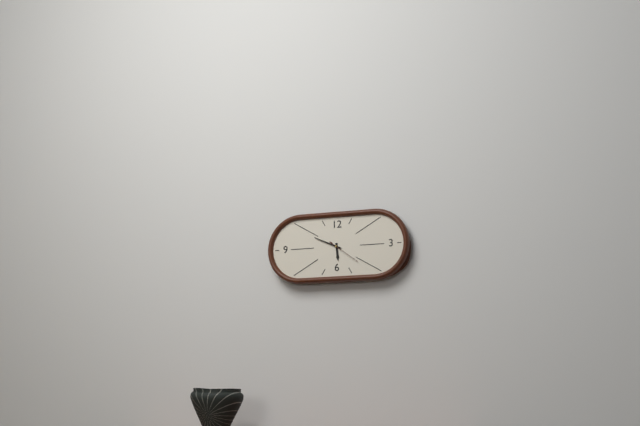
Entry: h=5 m=49
